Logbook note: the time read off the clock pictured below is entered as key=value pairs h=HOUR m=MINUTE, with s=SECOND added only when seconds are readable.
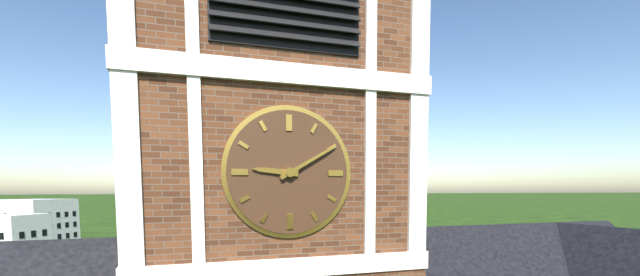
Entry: h=9 m=10
